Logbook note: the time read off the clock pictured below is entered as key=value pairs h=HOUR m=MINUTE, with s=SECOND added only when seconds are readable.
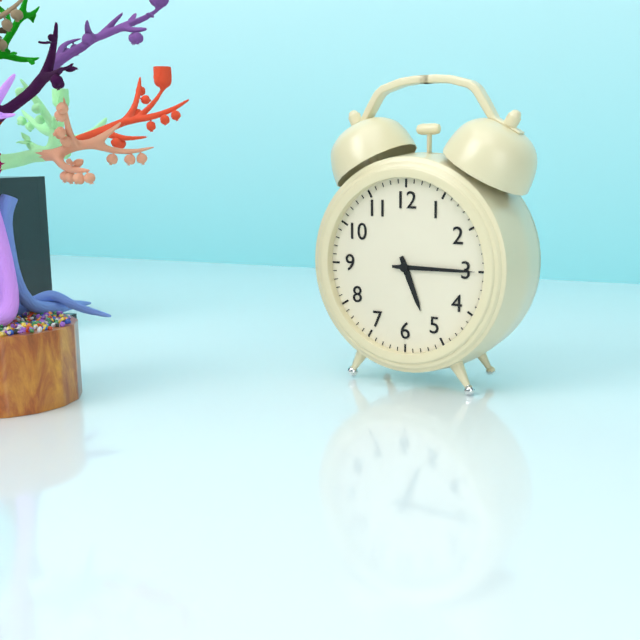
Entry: h=5 m=15
